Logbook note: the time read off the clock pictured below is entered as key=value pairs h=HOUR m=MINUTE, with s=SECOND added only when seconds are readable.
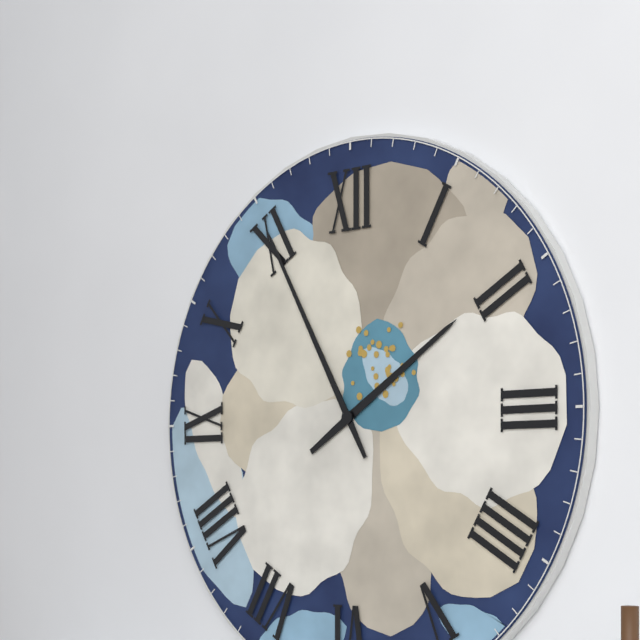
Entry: h=1 m=55
